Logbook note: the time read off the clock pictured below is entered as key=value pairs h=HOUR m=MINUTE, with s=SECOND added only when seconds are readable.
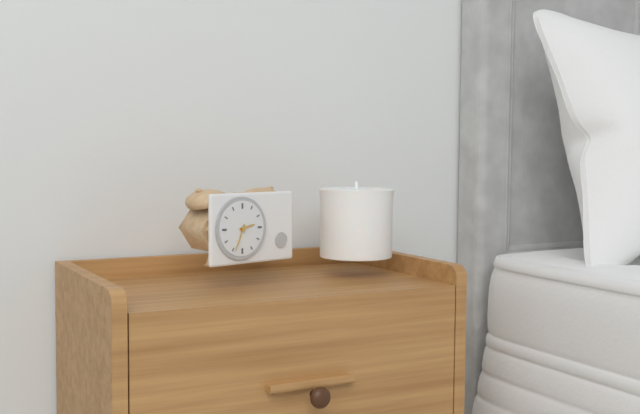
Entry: h=2 m=34
